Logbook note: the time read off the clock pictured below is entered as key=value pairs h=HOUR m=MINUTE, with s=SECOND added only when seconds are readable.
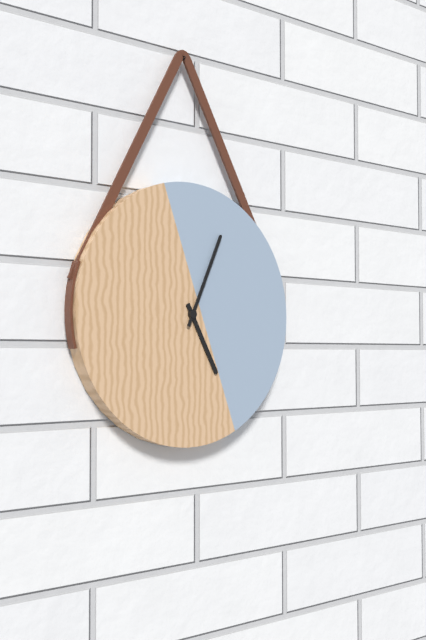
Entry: h=5 m=4
